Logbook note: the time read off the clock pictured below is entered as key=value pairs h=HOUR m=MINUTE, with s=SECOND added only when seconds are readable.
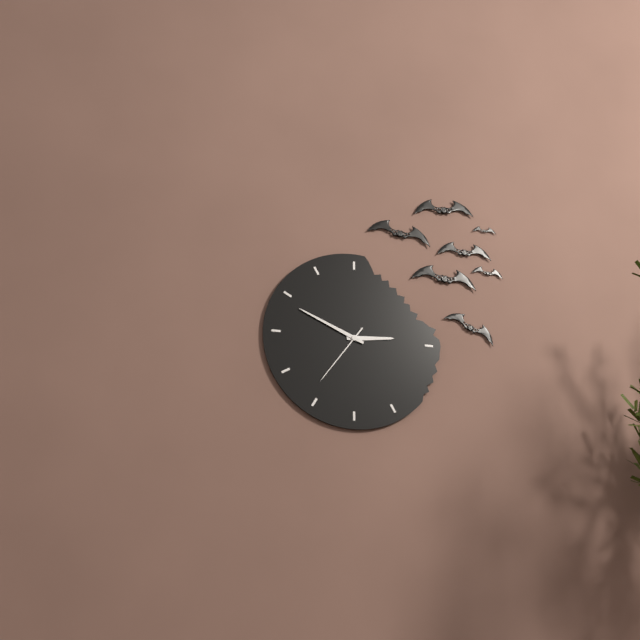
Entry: h=2 m=49 s=36
